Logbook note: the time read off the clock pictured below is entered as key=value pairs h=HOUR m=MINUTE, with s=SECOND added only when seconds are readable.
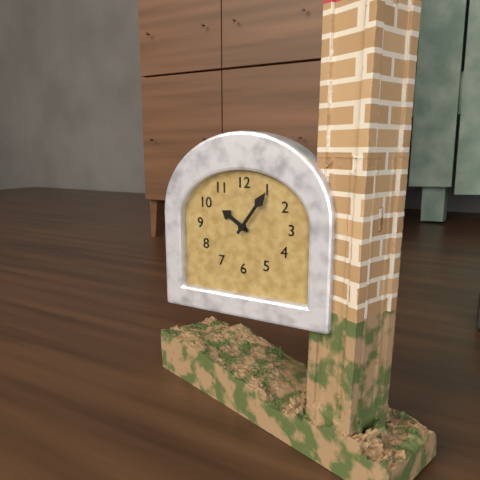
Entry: h=10 m=6
